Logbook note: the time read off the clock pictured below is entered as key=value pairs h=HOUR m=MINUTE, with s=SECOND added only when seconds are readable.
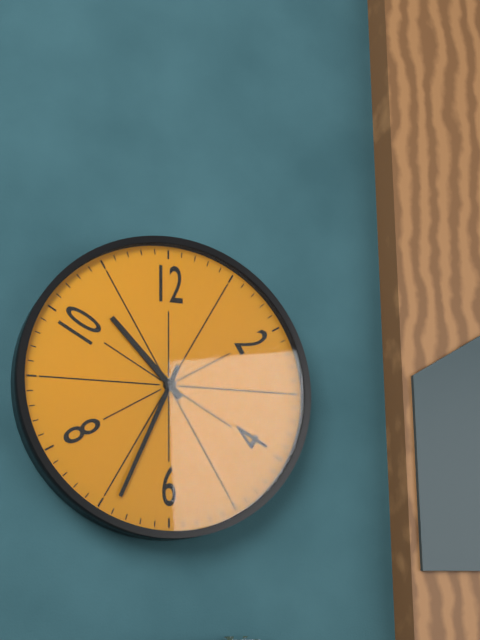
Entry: h=10 m=34
